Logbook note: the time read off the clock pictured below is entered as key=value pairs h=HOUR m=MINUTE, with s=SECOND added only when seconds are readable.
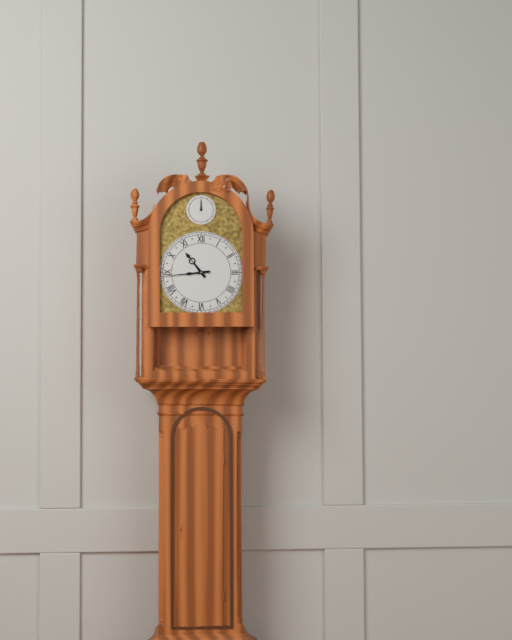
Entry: h=10 m=44
